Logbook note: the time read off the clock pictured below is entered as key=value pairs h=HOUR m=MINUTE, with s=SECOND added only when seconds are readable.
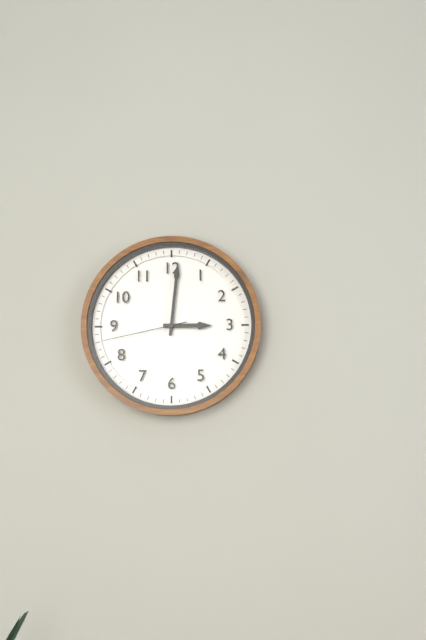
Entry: h=3 m=1 s=43
